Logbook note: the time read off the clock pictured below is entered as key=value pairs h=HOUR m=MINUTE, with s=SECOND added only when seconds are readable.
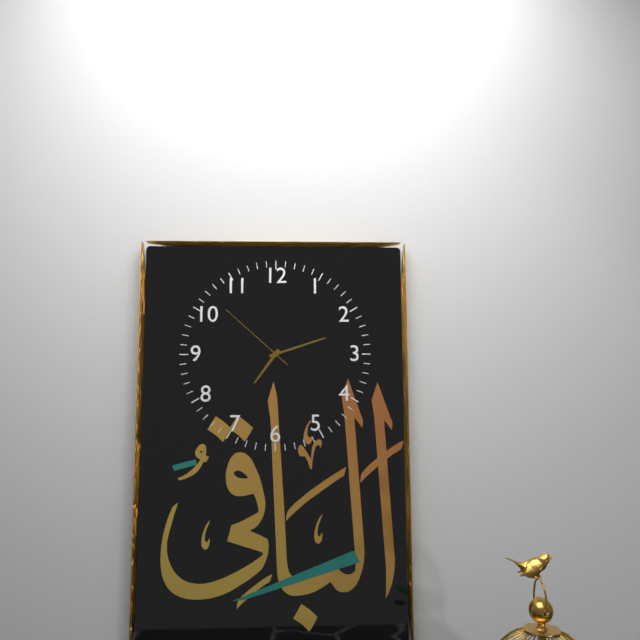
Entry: h=7 m=12 s=52
